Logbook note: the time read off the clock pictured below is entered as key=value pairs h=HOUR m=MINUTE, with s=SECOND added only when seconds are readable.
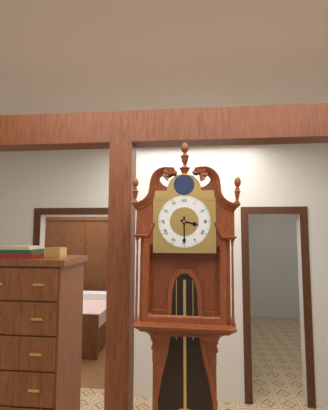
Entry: h=3 m=30
